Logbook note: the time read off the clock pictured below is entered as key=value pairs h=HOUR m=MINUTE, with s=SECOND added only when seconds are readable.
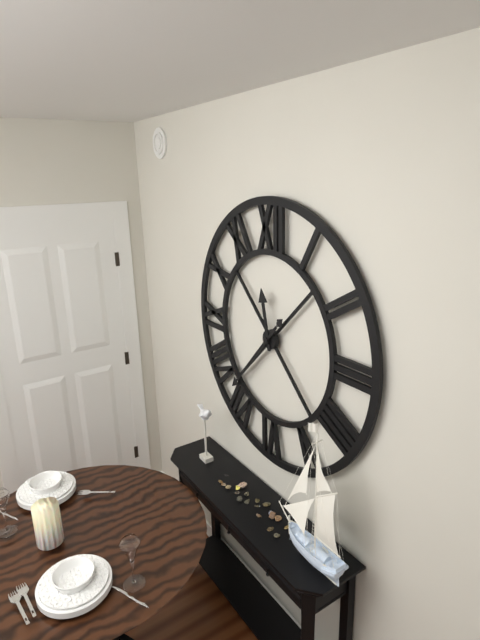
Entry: h=11 m=37
